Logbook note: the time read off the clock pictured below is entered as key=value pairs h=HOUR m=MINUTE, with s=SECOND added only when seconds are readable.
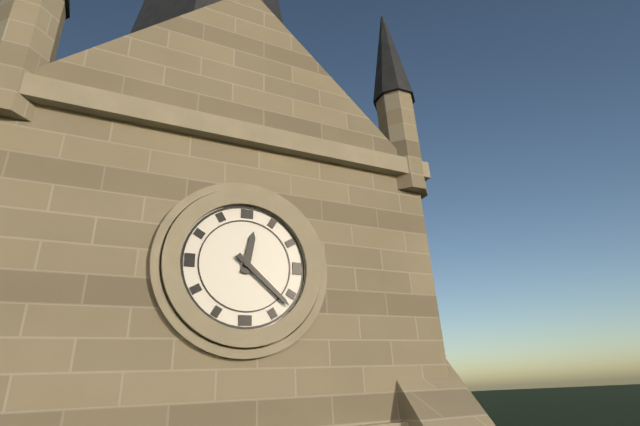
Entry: h=12 m=22
